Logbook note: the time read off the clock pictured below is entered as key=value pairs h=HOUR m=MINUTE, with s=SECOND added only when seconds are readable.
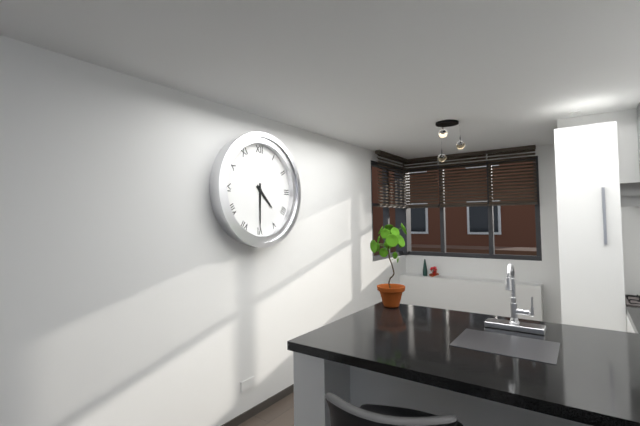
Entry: h=4 m=30
